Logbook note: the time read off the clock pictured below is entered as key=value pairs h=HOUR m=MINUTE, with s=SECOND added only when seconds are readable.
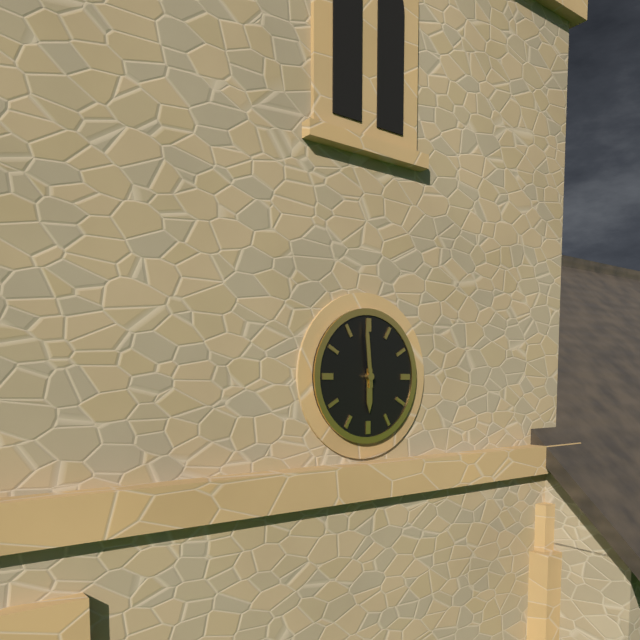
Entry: h=5 m=59
